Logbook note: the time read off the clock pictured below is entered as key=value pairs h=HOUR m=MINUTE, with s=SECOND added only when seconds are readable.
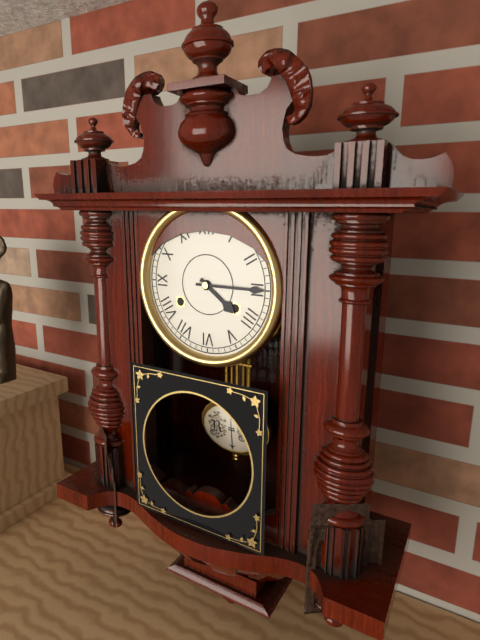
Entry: h=4 m=15
